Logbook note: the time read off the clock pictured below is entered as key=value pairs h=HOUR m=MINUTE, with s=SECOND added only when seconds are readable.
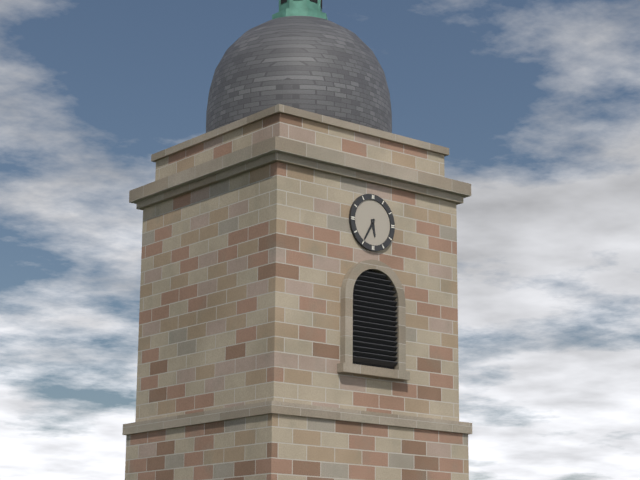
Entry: h=5 m=35
